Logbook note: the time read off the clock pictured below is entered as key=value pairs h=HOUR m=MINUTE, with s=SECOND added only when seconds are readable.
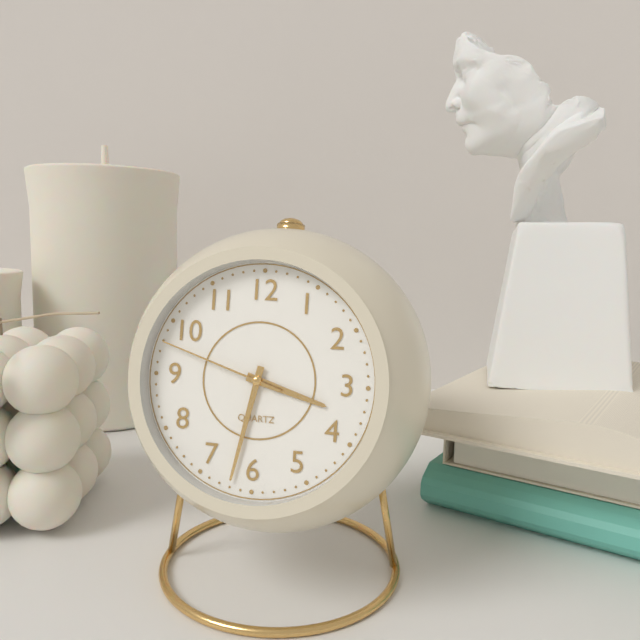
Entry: h=3 m=32 s=48
